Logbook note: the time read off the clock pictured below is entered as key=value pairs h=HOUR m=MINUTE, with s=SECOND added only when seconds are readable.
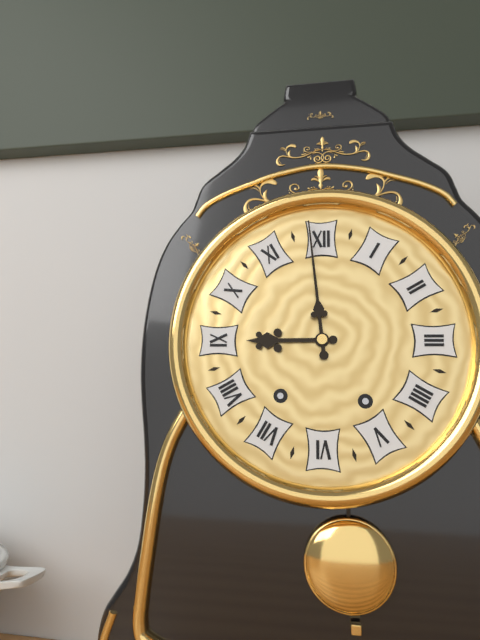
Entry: h=8 m=59
